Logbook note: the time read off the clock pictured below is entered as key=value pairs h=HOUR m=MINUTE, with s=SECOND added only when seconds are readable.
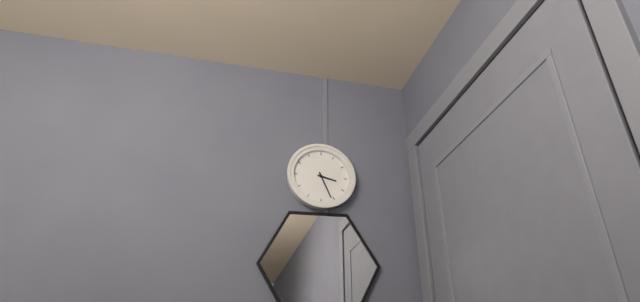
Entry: h=3 m=26
